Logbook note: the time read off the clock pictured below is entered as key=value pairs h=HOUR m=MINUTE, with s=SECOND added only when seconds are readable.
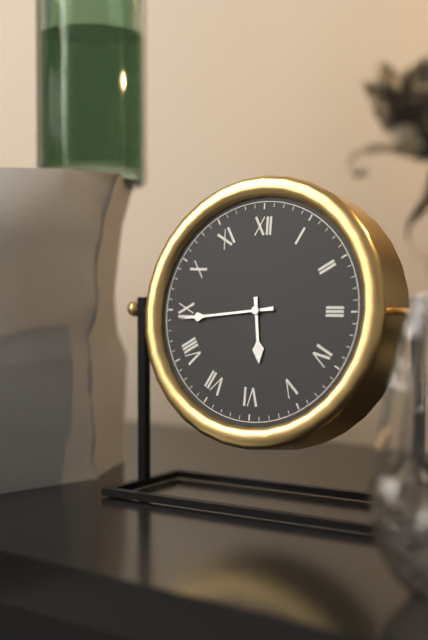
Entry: h=5 m=44
